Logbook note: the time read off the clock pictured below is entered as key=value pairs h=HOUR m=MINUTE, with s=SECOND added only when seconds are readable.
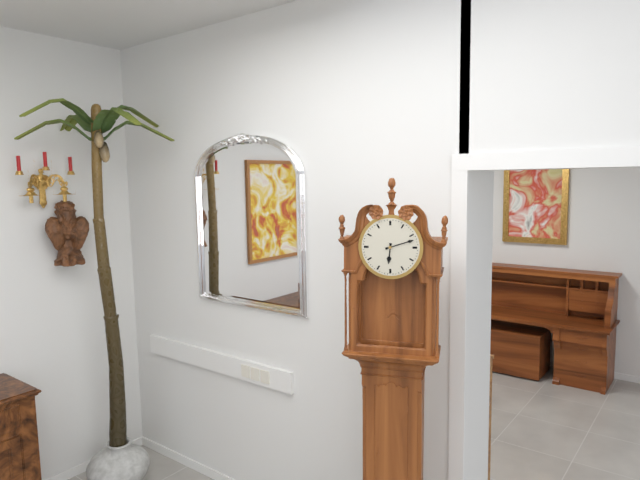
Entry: h=6 m=12
